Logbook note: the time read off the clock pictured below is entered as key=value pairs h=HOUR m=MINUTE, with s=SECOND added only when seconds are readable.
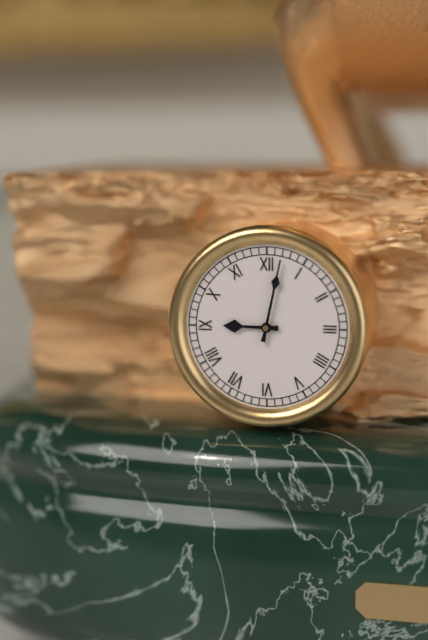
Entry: h=9 m=2
